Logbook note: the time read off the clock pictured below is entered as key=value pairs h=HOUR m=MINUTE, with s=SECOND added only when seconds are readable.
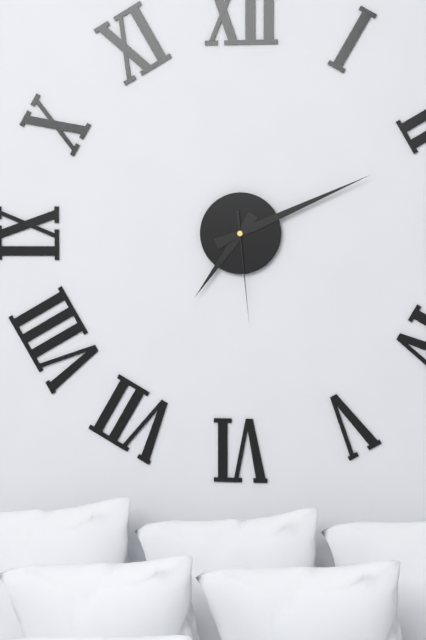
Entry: h=7 m=11 s=29
